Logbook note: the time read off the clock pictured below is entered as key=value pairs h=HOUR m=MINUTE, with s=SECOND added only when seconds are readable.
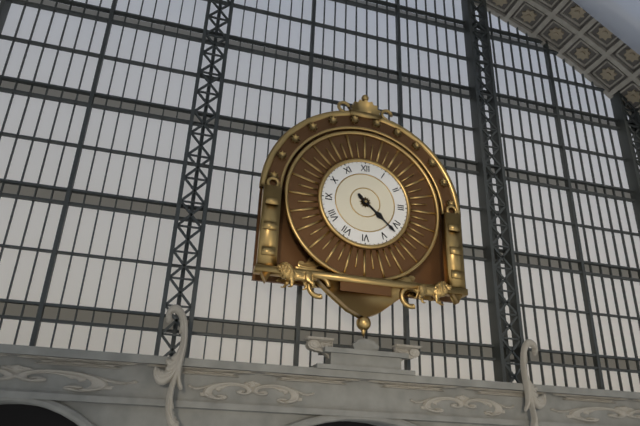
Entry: h=4 m=22
